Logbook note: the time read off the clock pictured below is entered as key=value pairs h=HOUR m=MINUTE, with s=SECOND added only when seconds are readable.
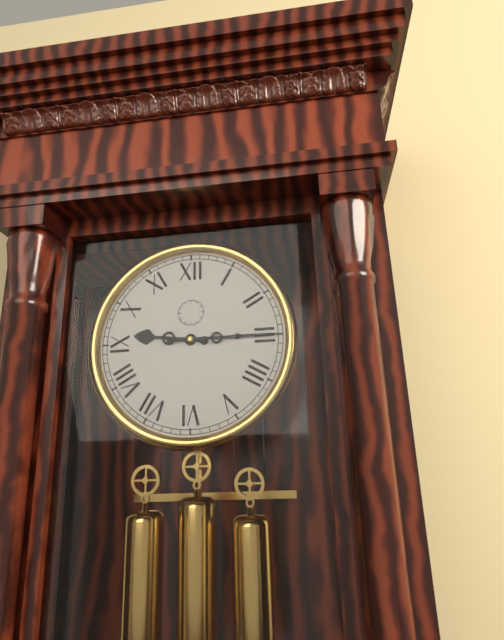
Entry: h=9 m=15
